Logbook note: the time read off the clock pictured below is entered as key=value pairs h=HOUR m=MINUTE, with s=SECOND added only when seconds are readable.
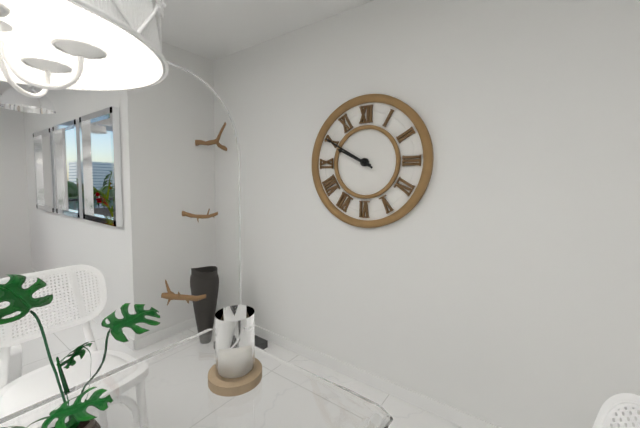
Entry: h=9 m=50
